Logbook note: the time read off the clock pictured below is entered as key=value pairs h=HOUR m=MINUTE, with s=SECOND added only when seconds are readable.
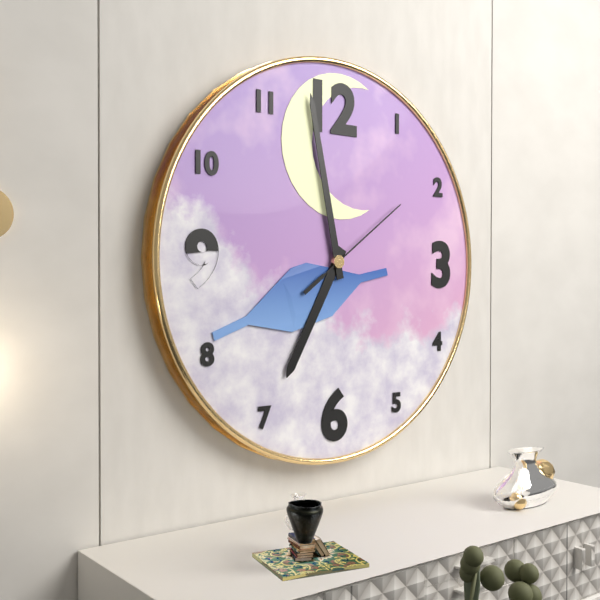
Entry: h=6 m=58 s=9
